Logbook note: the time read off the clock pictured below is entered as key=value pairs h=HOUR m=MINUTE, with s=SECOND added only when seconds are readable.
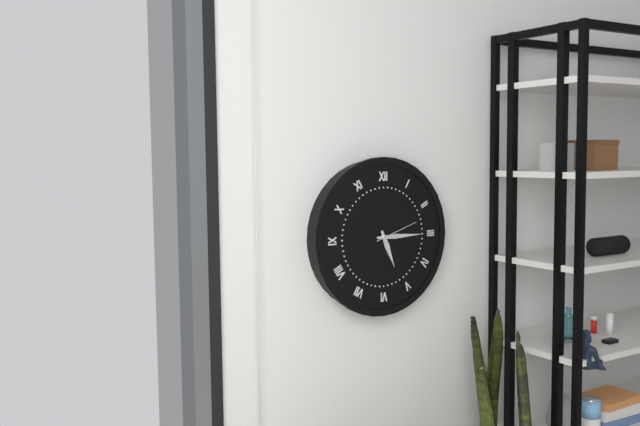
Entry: h=5 m=15
